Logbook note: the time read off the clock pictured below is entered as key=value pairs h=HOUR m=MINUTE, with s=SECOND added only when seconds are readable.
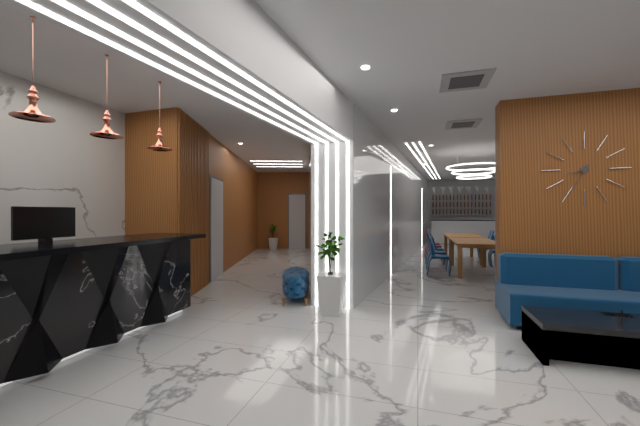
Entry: h=8 m=35
